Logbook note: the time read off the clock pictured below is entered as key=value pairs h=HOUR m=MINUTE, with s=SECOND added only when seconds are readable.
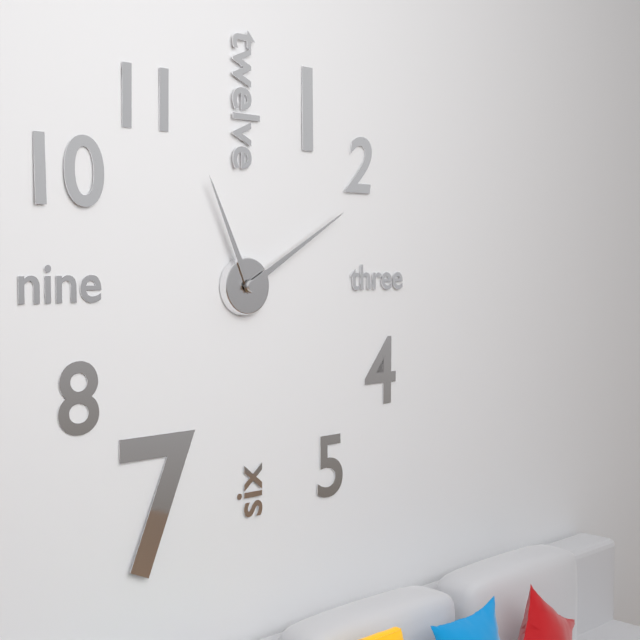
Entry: h=11 m=10
